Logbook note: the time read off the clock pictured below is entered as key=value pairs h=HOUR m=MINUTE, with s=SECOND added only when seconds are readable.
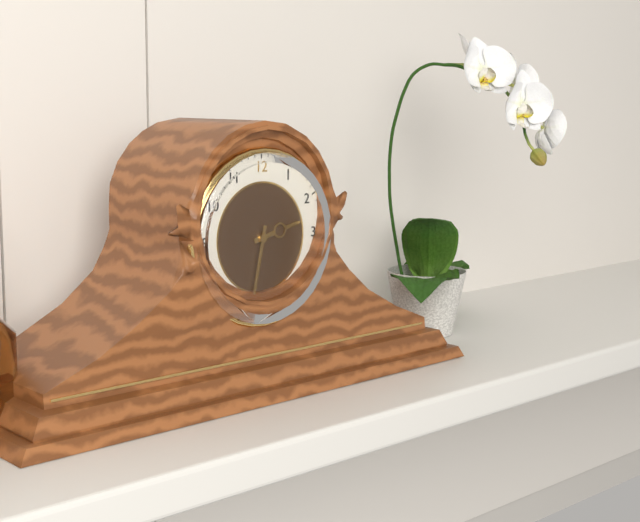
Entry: h=2 m=32
